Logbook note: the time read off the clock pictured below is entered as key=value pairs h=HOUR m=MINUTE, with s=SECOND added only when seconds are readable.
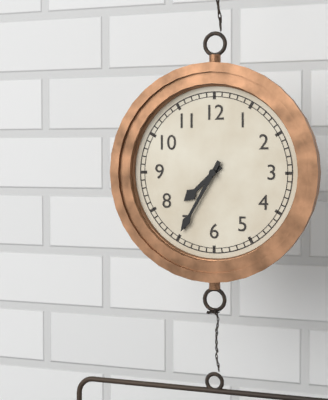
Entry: h=7 m=35
